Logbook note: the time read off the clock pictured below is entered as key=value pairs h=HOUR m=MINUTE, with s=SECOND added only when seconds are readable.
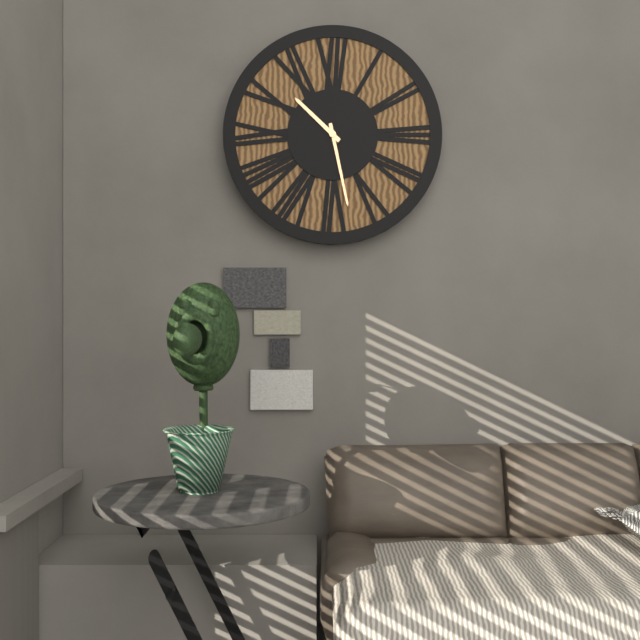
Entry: h=10 m=28
